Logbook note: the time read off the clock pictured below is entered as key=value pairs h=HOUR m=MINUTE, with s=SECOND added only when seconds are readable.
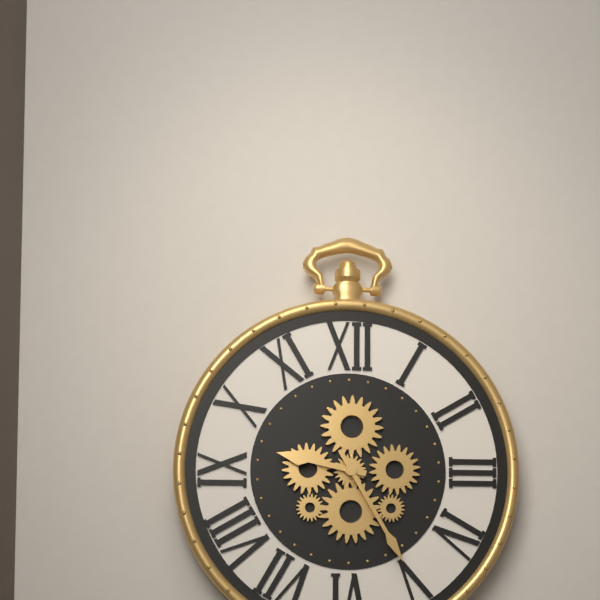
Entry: h=9 m=25
